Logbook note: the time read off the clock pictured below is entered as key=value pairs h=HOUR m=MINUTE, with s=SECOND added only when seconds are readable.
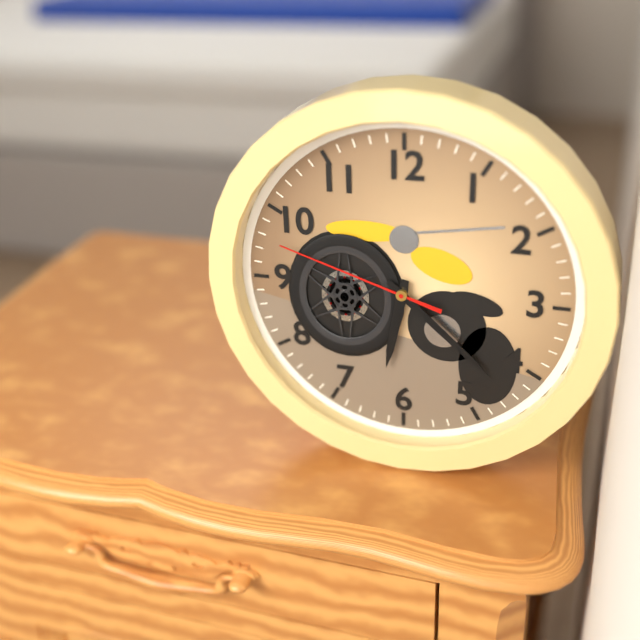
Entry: h=6 m=22 s=48
